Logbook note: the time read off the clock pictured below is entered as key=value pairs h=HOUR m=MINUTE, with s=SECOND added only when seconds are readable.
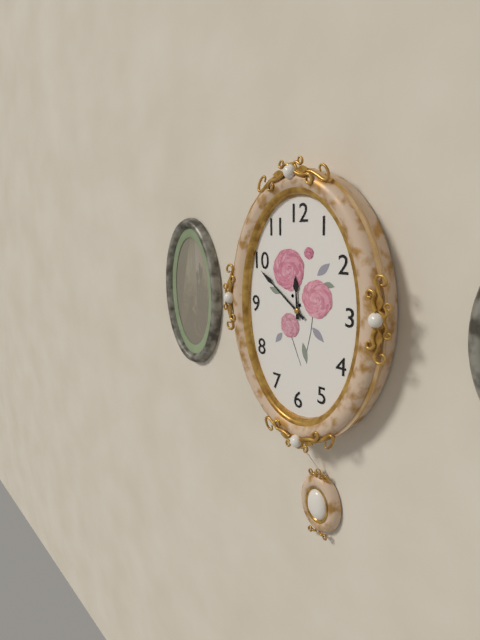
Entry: h=11 m=51
